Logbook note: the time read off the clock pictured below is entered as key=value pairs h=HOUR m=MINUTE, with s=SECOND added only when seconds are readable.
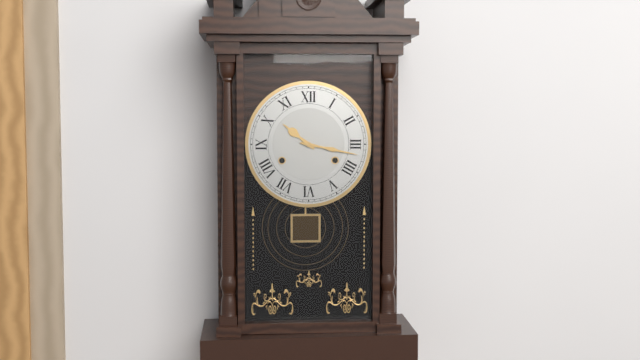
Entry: h=10 m=17
